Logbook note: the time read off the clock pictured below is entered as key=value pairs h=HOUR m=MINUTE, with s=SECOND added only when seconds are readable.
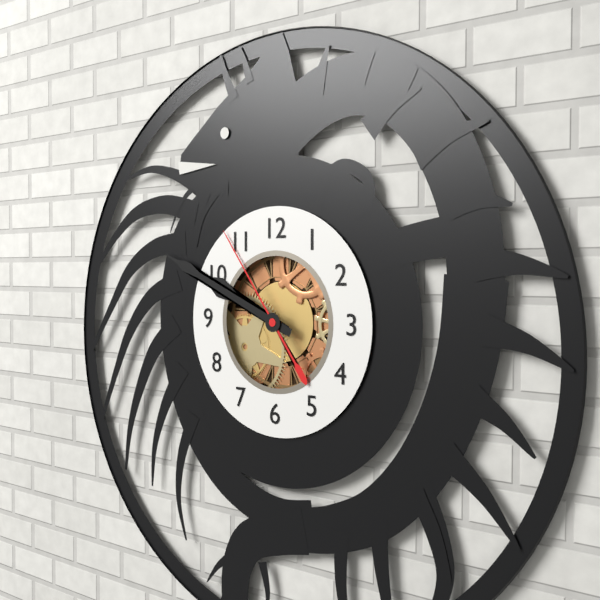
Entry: h=9 m=49 s=54
